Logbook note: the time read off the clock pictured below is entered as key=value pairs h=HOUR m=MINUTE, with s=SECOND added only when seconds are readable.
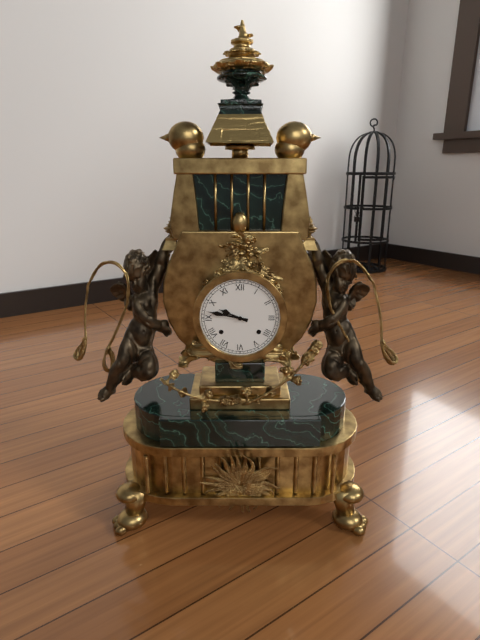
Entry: h=9 m=47
